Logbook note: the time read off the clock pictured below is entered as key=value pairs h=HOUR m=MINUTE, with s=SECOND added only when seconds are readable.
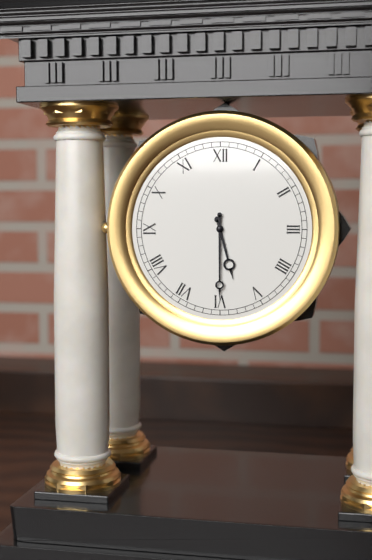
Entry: h=5 m=30
